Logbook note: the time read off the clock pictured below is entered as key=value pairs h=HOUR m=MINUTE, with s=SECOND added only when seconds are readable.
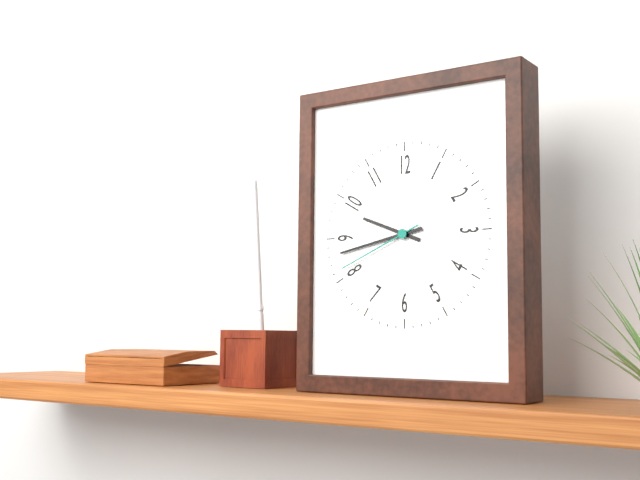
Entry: h=9 m=43 s=41
